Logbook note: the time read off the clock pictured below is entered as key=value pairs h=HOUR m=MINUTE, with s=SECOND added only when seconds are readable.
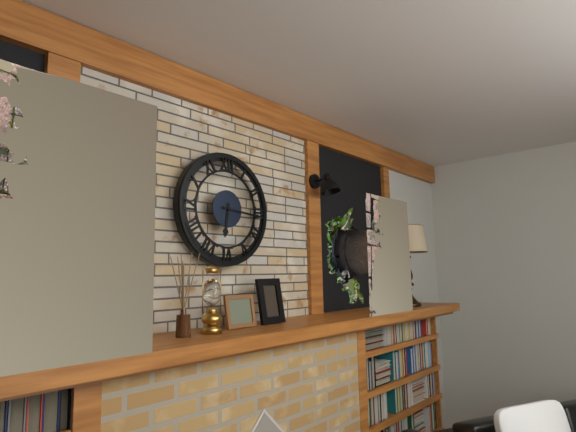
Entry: h=6 m=16
